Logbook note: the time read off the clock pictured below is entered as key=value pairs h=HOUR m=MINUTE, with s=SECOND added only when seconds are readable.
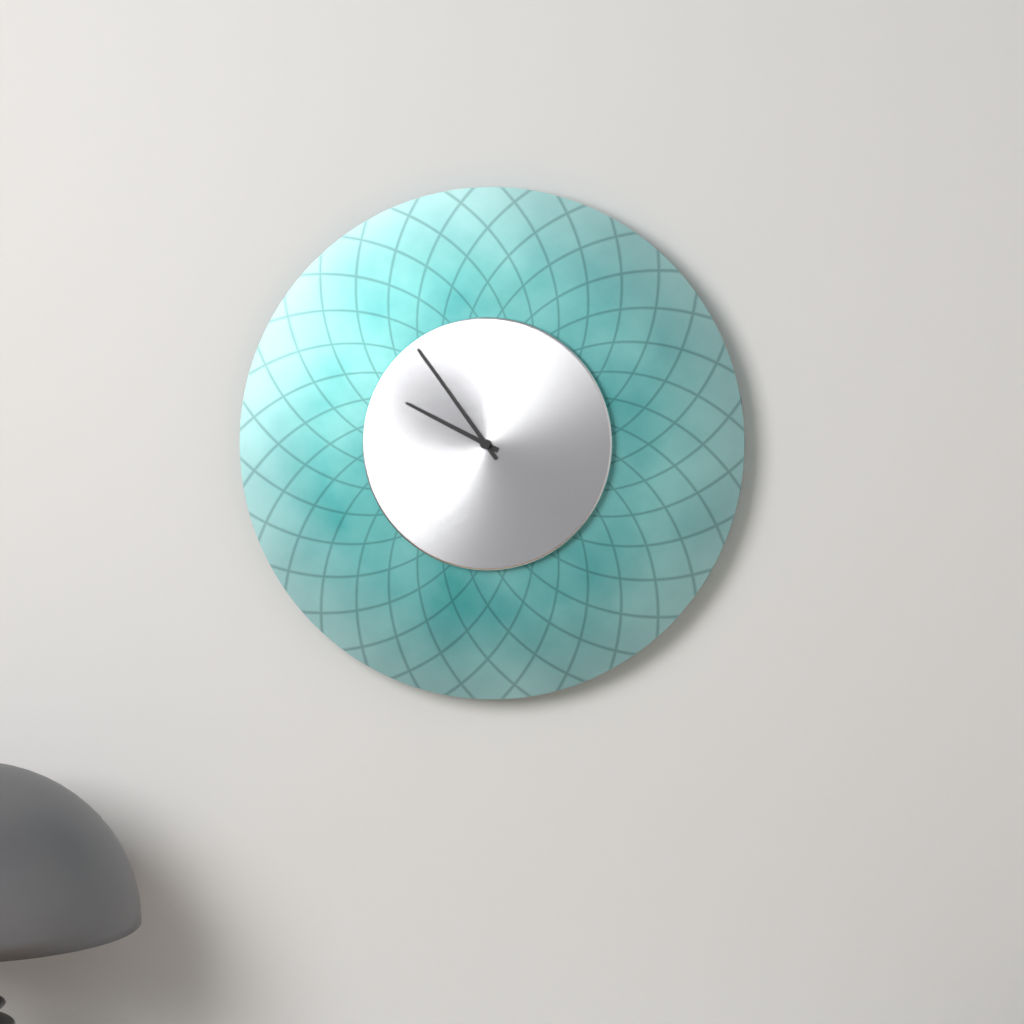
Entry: h=9 m=54
